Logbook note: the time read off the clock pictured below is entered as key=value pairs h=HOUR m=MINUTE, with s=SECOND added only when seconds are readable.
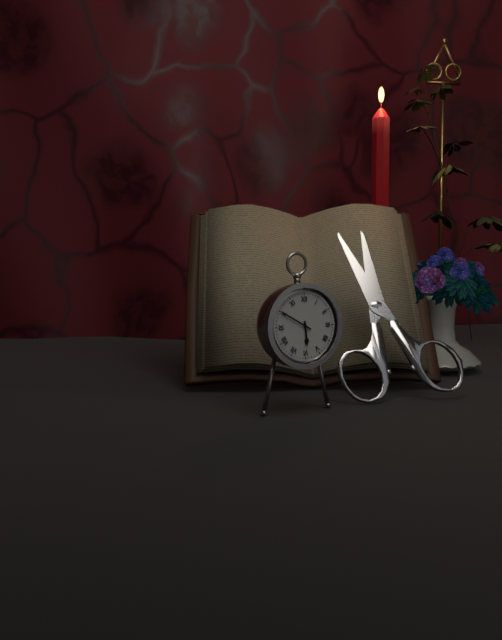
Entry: h=5 m=50
